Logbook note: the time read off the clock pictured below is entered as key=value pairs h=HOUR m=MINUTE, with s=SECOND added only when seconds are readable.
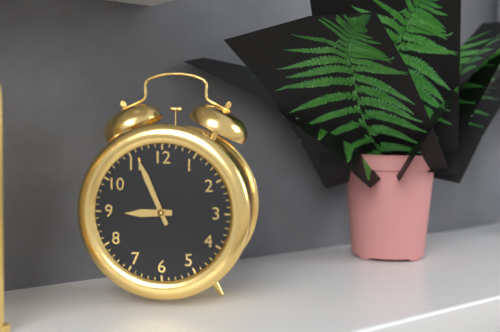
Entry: h=8 m=56
